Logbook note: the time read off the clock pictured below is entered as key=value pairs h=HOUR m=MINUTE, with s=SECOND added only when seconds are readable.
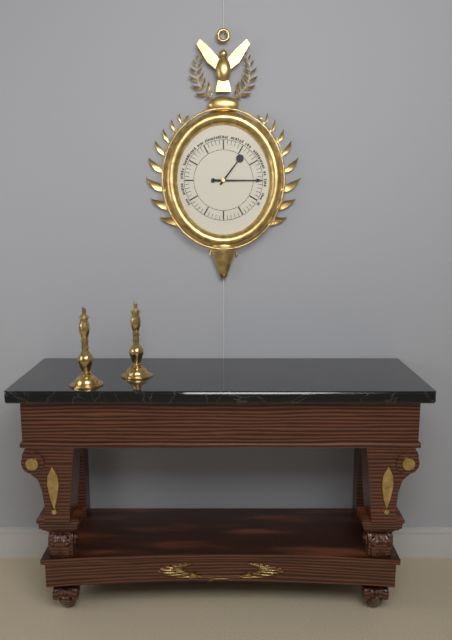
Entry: h=1 m=15
